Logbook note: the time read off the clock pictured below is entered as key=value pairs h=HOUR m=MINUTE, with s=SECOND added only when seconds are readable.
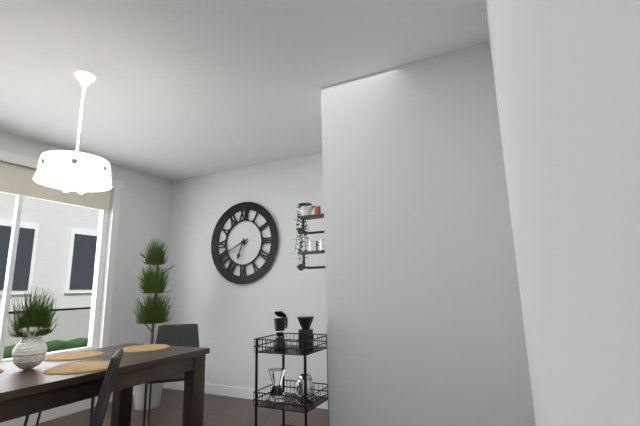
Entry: h=6 m=41
